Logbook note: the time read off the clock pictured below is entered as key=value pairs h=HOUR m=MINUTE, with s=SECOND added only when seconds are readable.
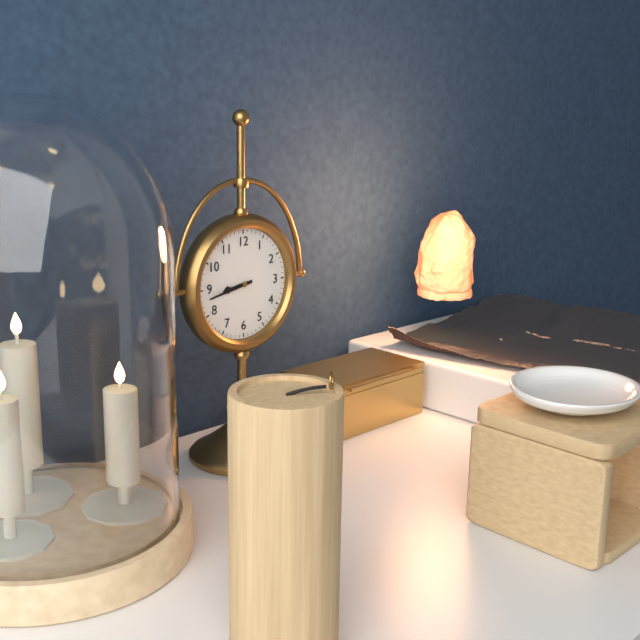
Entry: h=8 m=43
